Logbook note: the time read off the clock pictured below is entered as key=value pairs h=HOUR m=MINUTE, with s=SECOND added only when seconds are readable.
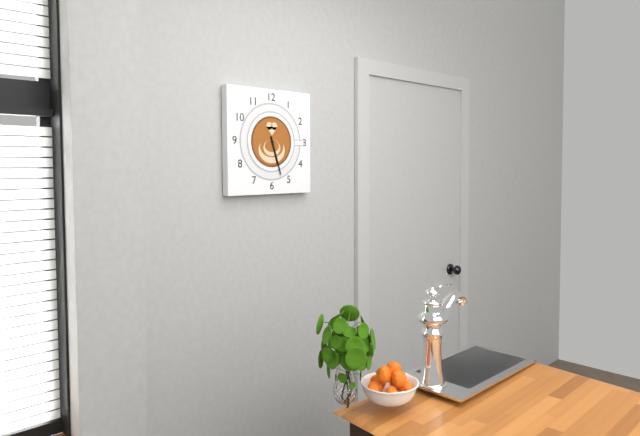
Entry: h=5 m=27
